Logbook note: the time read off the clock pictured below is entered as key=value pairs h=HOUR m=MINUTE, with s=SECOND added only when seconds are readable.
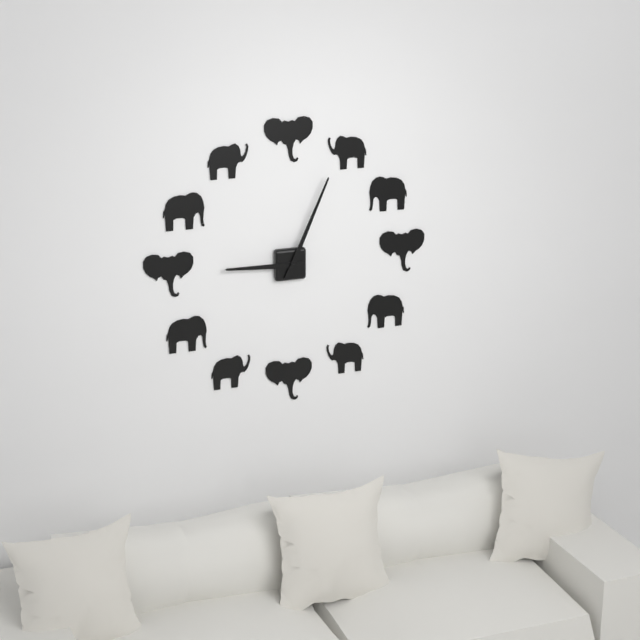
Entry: h=9 m=4
